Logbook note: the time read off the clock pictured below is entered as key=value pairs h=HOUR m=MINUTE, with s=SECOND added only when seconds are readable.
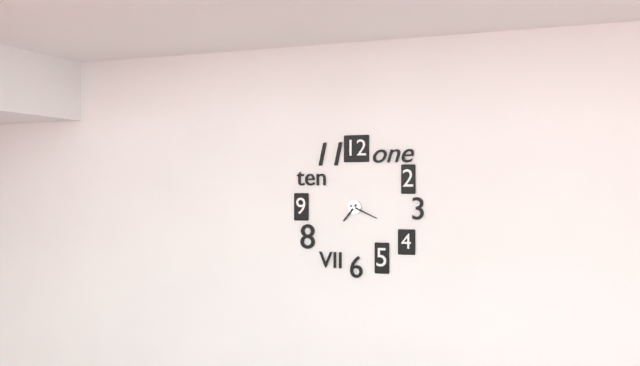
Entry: h=7 m=19
